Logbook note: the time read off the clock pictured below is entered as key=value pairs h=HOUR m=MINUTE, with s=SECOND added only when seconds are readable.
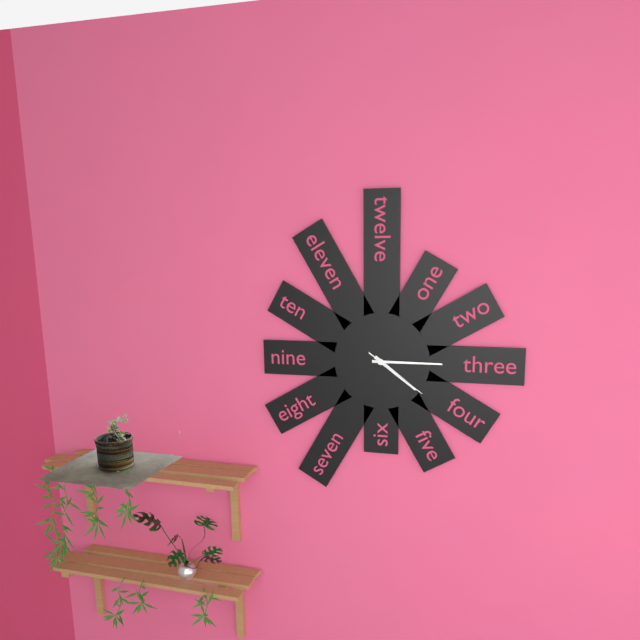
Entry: h=4 m=15 s=21
